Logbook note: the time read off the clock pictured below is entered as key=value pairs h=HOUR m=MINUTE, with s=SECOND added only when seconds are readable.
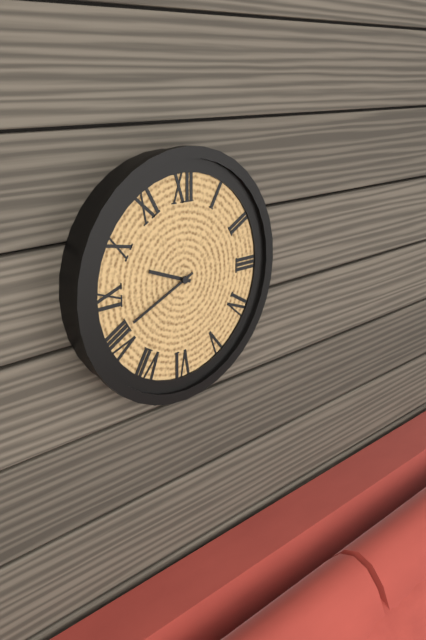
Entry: h=9 m=41
